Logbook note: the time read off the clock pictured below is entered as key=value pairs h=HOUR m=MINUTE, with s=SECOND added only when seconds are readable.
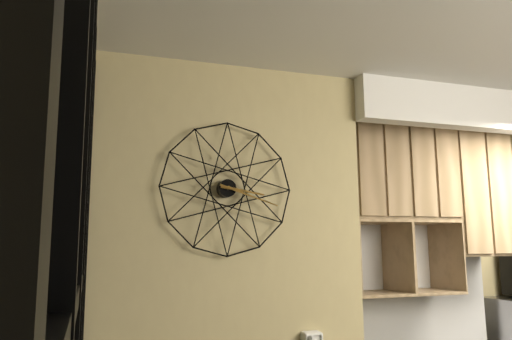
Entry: h=3 m=18
